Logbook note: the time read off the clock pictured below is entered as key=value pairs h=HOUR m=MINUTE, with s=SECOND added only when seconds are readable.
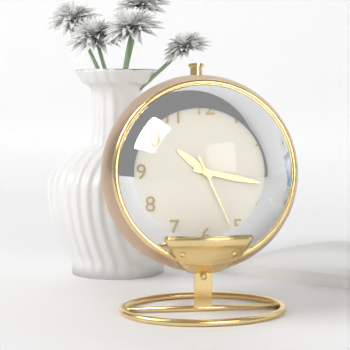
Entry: h=10 m=17 s=26
